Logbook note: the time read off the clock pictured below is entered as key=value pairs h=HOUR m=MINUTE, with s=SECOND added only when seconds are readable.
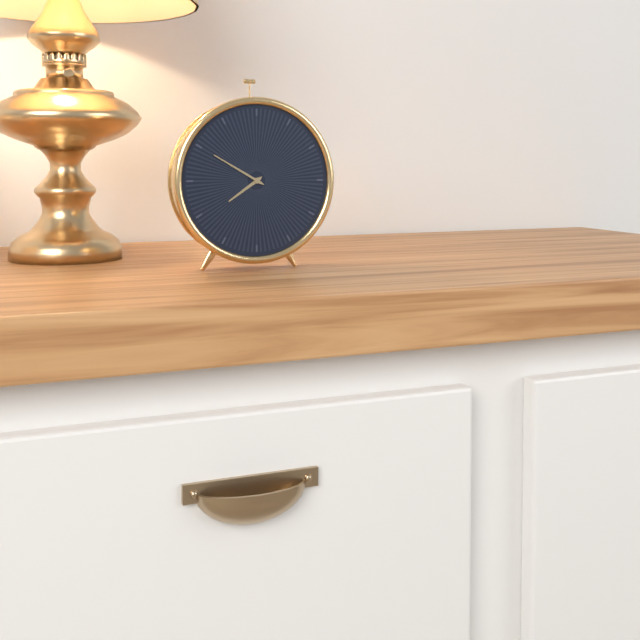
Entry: h=7 m=50
